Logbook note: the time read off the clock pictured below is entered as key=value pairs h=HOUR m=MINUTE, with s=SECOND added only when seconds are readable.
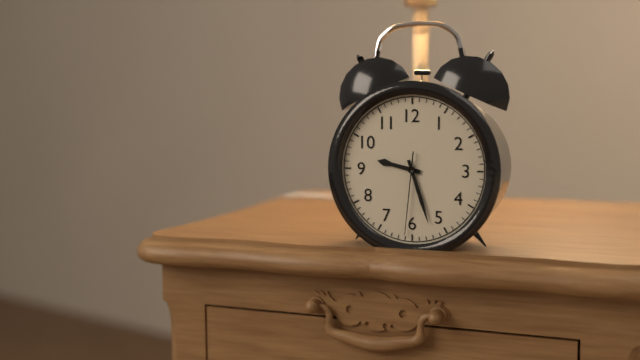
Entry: h=9 m=27 s=31
